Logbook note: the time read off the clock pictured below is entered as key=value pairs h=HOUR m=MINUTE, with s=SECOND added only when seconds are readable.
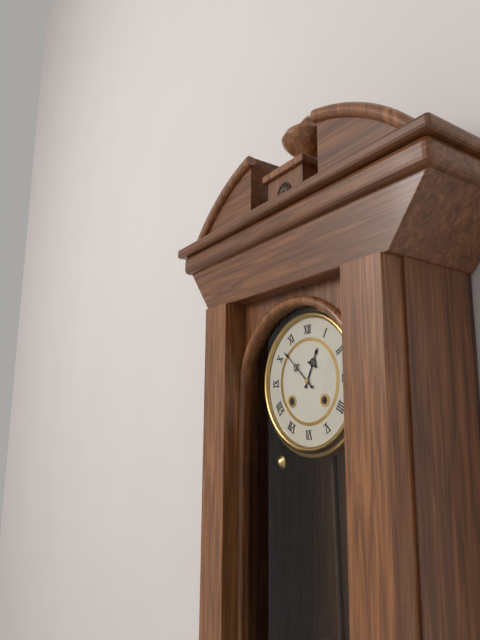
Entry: h=12 m=52
